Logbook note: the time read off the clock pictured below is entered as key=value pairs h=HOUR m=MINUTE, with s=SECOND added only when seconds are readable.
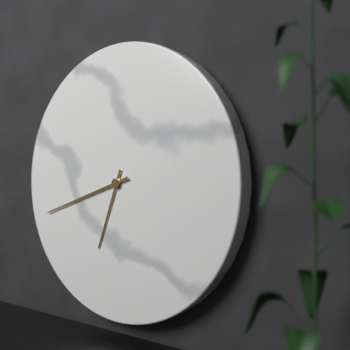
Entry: h=6 m=42
